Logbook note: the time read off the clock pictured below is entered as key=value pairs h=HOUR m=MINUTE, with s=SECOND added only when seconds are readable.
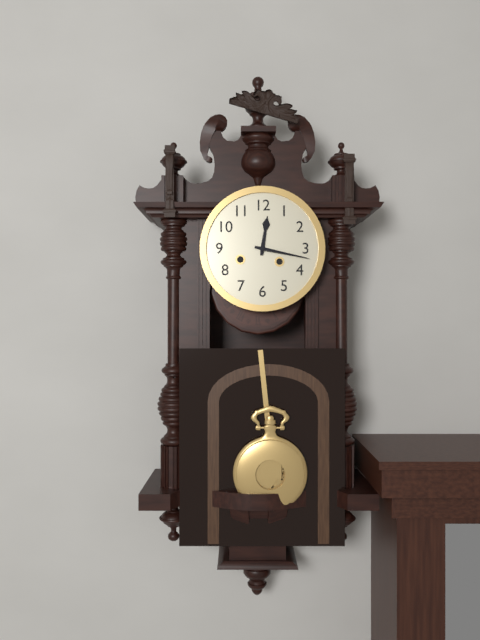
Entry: h=12 m=17
